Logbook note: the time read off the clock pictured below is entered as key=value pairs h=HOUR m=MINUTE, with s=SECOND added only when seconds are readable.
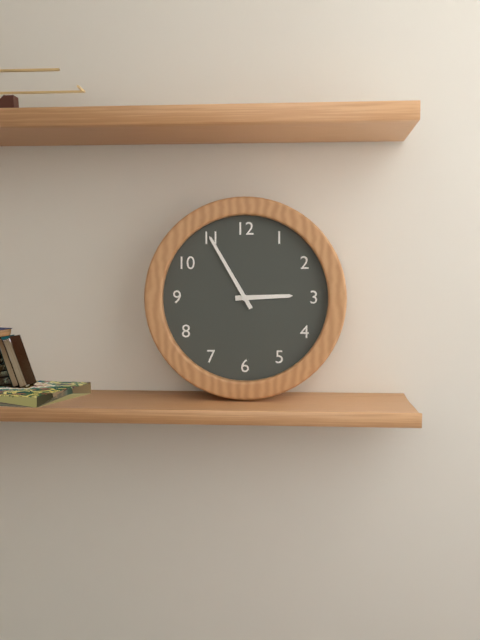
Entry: h=2 m=55
